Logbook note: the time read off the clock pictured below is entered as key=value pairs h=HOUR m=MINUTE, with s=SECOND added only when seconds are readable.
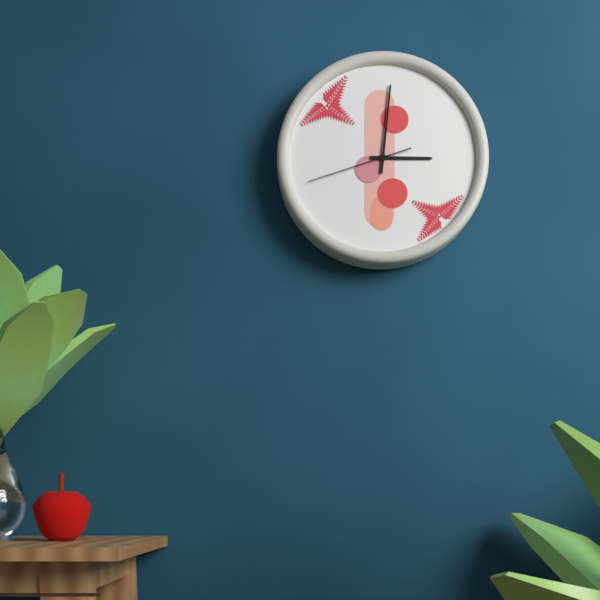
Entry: h=3 m=1 s=42
